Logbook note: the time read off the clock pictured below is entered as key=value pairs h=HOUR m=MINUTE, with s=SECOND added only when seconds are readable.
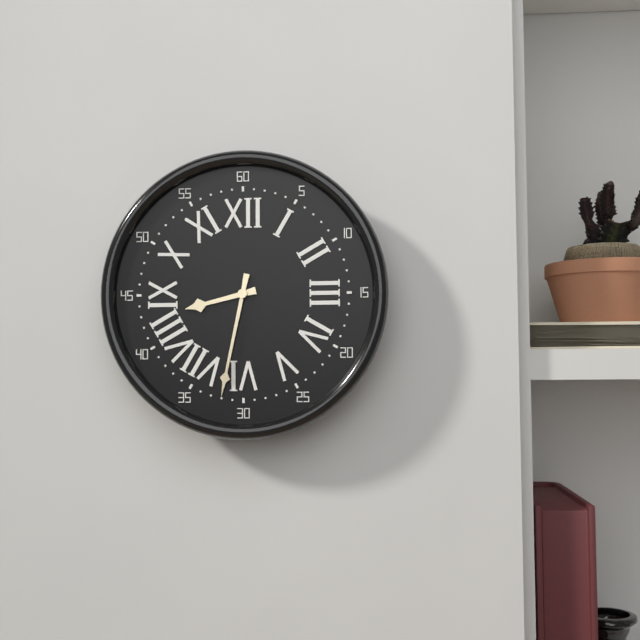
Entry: h=8 m=32
